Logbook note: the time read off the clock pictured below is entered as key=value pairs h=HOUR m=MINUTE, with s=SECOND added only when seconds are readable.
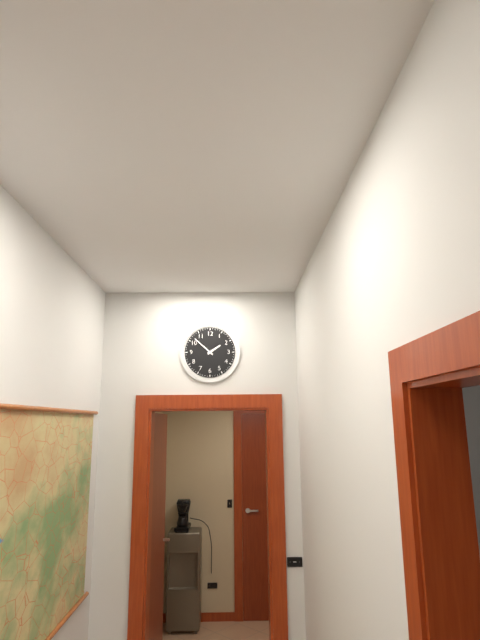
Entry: h=1 m=52
